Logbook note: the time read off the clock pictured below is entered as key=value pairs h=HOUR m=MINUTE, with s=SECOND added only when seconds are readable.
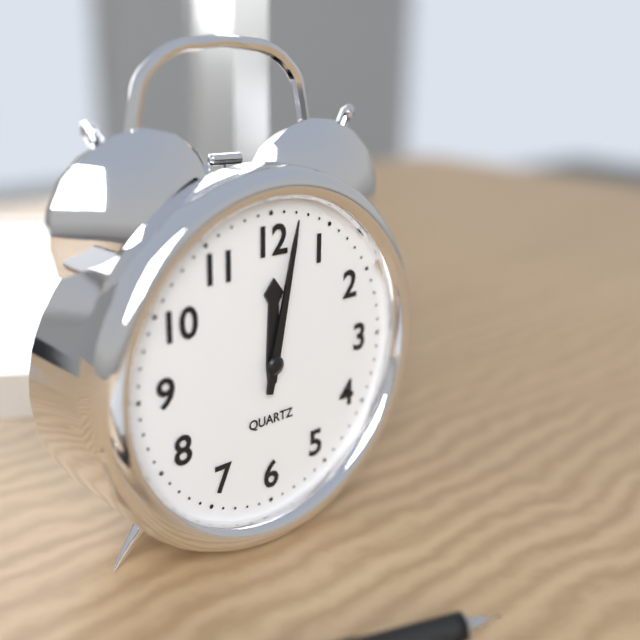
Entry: h=12 m=2
